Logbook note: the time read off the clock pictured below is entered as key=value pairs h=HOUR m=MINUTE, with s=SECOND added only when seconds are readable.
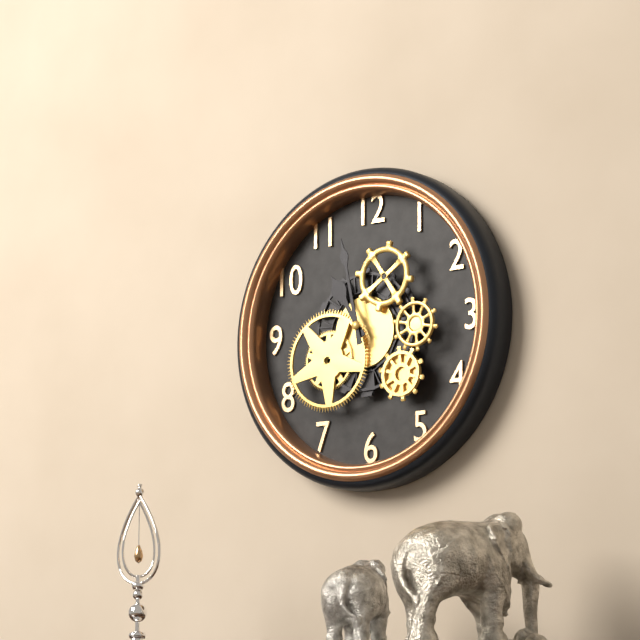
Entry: h=10 m=58
